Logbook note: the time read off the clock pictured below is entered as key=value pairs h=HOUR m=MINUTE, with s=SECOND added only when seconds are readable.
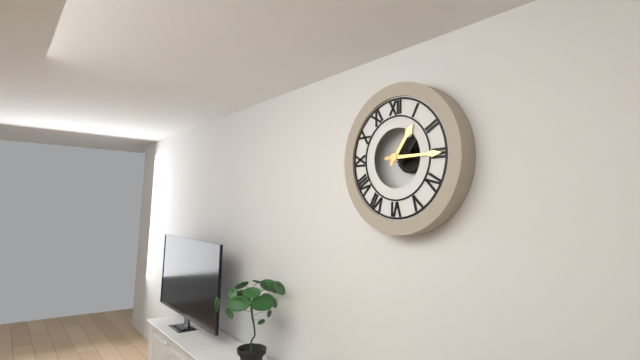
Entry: h=1 m=15
